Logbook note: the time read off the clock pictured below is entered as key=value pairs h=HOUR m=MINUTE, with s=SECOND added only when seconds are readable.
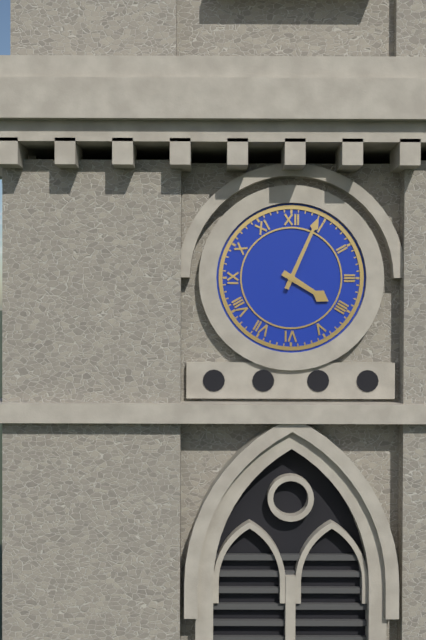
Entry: h=4 m=4
